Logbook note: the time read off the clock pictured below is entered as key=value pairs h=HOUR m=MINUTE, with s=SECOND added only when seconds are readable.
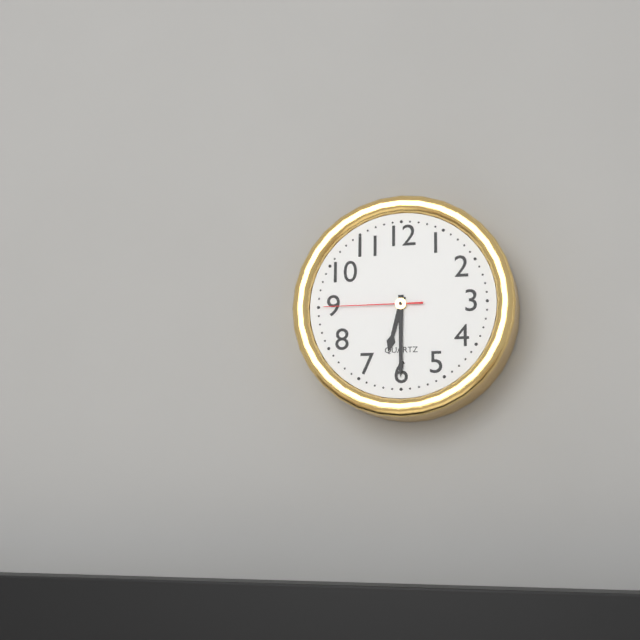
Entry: h=6 m=30 s=45
